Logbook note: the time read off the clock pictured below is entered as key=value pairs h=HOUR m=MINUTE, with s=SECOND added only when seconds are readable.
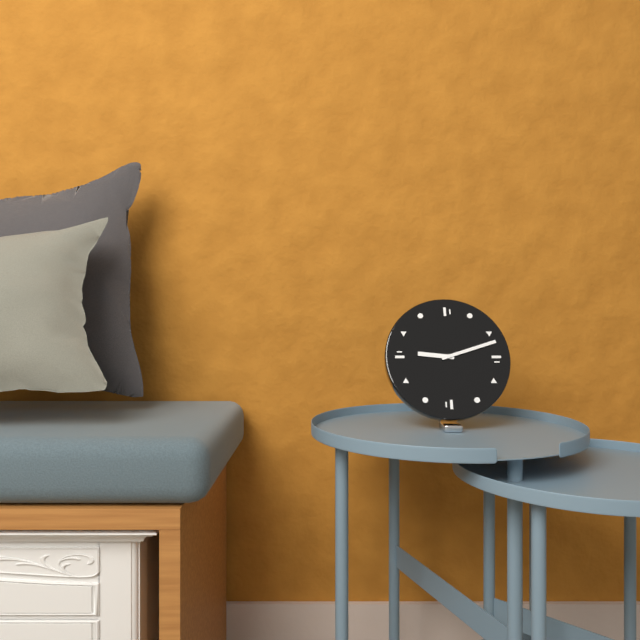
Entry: h=9 m=12
